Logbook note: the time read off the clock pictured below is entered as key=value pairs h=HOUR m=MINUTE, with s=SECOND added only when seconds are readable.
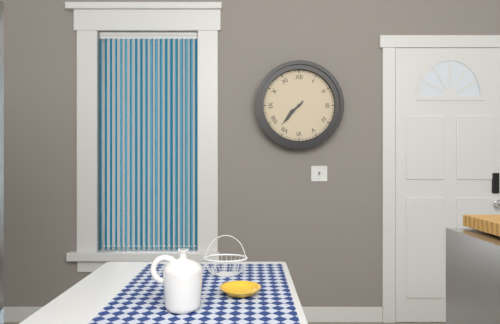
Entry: h=7 m=37
